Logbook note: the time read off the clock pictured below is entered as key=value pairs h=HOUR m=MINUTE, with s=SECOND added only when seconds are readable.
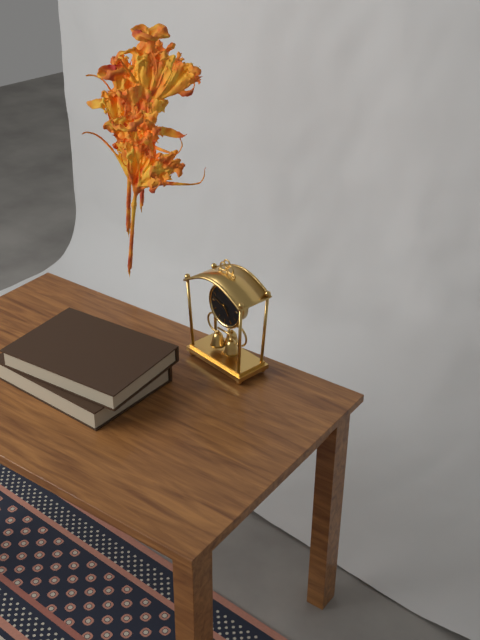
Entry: h=4 m=48
